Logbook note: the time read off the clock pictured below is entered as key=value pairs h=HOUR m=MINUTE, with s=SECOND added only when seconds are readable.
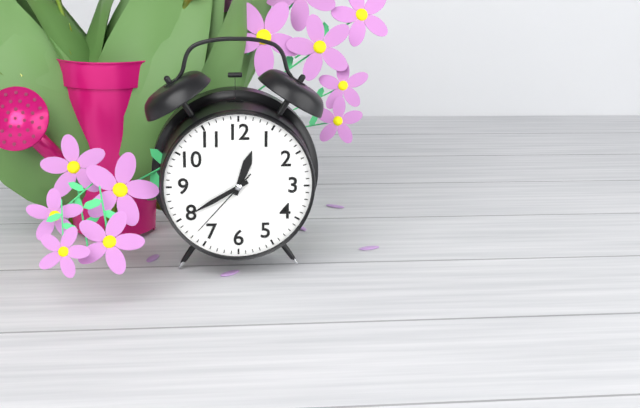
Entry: h=12 m=40 s=37
